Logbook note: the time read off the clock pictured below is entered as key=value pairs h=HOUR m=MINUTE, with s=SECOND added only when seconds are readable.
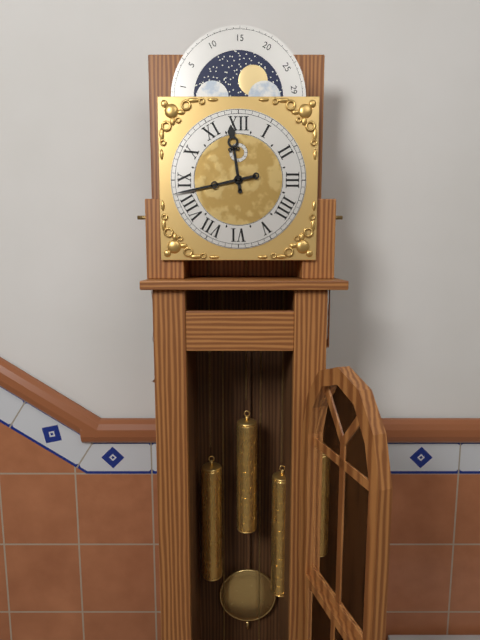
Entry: h=11 m=43
